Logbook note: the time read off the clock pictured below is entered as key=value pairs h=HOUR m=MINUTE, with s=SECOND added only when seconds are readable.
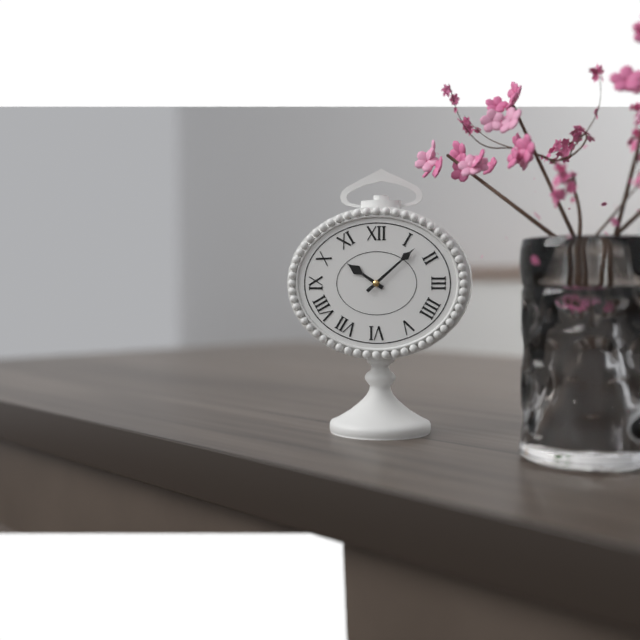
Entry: h=10 m=8
